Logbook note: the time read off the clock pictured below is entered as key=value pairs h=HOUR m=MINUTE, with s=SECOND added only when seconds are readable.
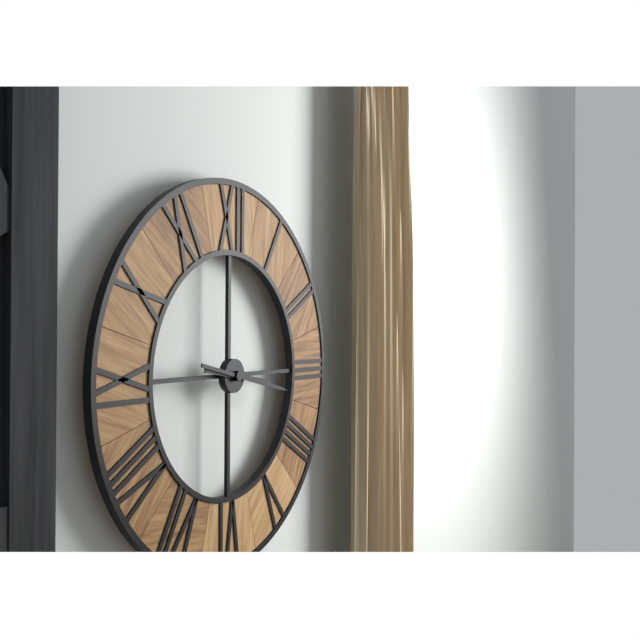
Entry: h=3 m=17
